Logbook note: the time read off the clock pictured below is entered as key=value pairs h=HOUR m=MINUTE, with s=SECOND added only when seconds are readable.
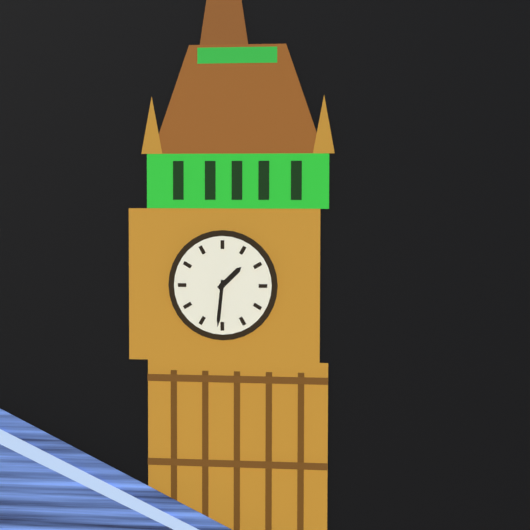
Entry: h=1 m=31
